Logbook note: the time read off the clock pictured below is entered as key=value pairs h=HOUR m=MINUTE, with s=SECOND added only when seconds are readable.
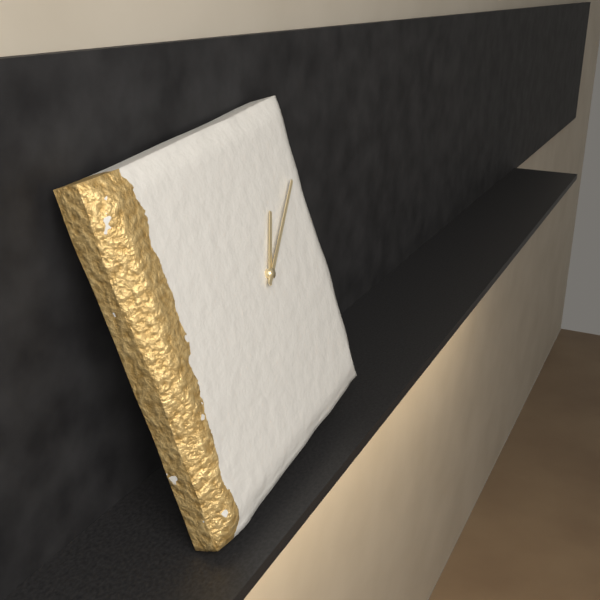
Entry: h=1 m=9
